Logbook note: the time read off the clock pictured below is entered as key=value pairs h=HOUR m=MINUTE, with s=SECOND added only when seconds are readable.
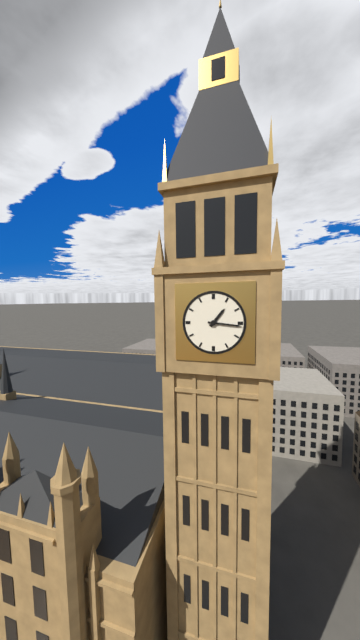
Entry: h=1 m=16
